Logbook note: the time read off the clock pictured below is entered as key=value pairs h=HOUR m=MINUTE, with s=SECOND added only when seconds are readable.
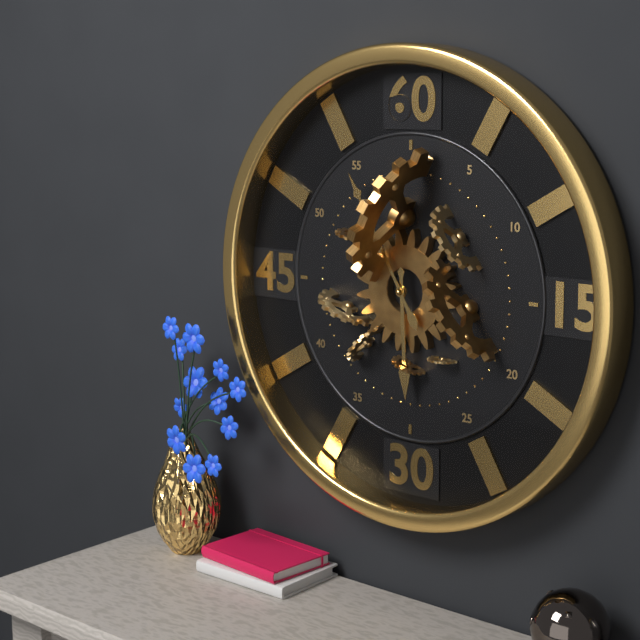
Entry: h=5 m=55
